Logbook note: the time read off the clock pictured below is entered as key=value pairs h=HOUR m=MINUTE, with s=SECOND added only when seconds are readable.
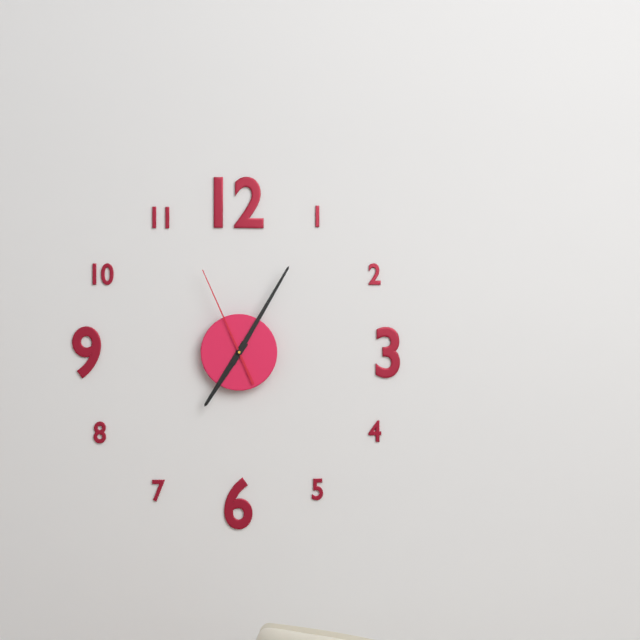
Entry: h=7 m=5 s=56
